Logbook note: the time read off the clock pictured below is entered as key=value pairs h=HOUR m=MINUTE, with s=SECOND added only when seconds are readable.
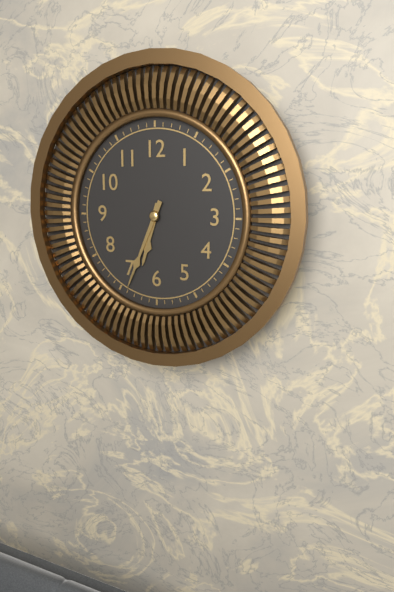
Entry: h=6 m=34
